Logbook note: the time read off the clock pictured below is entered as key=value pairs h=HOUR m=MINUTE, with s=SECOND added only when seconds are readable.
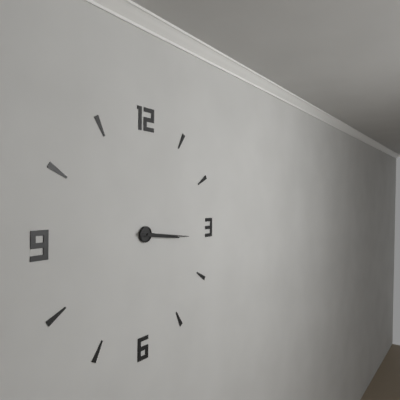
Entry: h=3 m=16
